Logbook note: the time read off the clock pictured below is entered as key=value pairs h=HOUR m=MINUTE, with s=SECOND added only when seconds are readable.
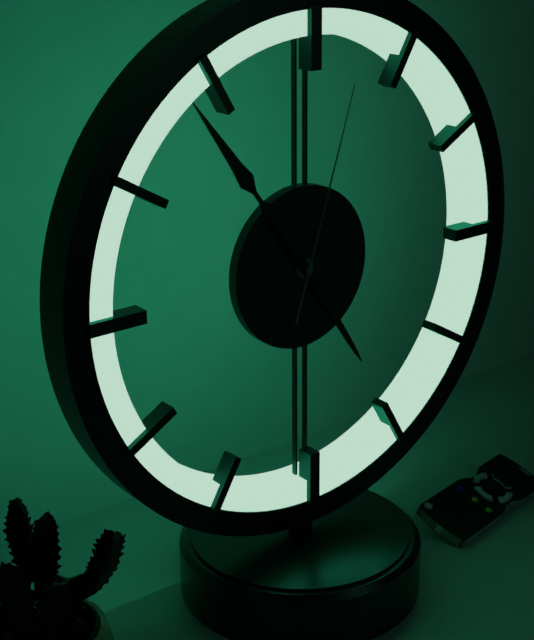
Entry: h=4 m=54 s=3
